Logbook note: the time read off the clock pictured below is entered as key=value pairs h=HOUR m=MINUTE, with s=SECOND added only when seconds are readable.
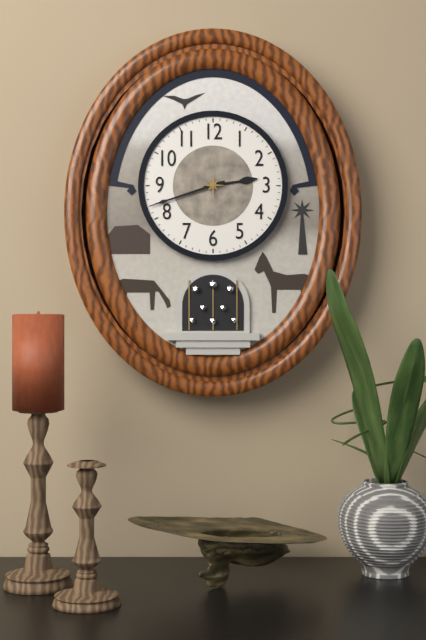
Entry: h=2 m=42
